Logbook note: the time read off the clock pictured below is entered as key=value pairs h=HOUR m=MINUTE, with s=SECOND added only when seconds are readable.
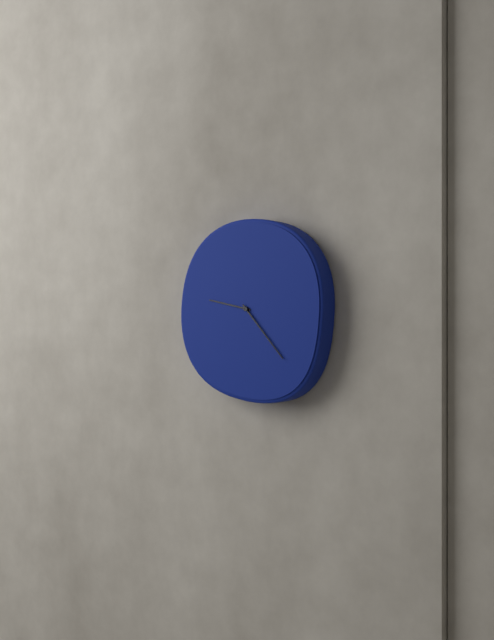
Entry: h=9 m=23
